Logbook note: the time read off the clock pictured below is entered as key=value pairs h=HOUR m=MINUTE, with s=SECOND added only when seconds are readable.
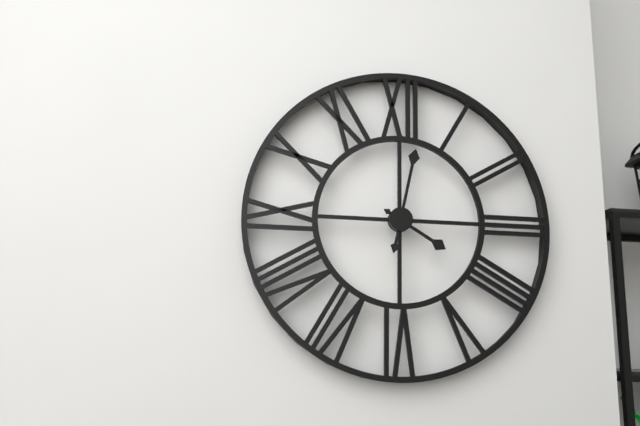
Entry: h=4 m=2
